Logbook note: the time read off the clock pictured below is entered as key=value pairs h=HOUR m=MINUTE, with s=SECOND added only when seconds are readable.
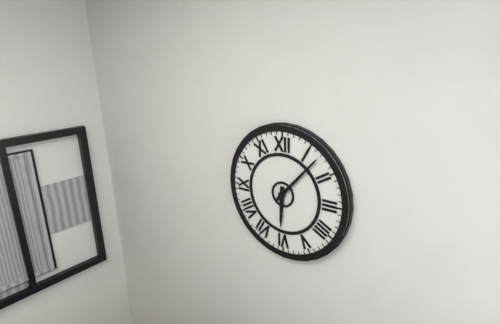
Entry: h=6 m=7
